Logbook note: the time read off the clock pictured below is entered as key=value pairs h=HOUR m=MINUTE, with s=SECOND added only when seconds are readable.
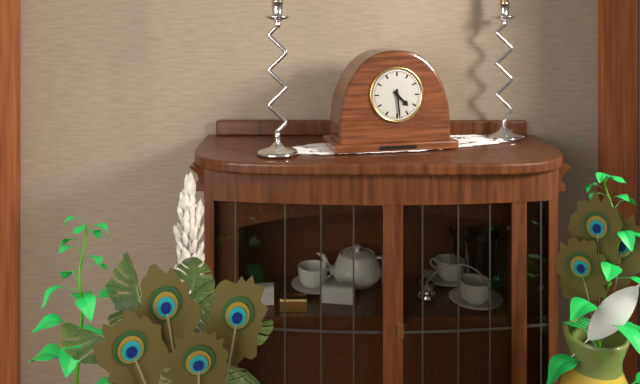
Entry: h=4 m=29
